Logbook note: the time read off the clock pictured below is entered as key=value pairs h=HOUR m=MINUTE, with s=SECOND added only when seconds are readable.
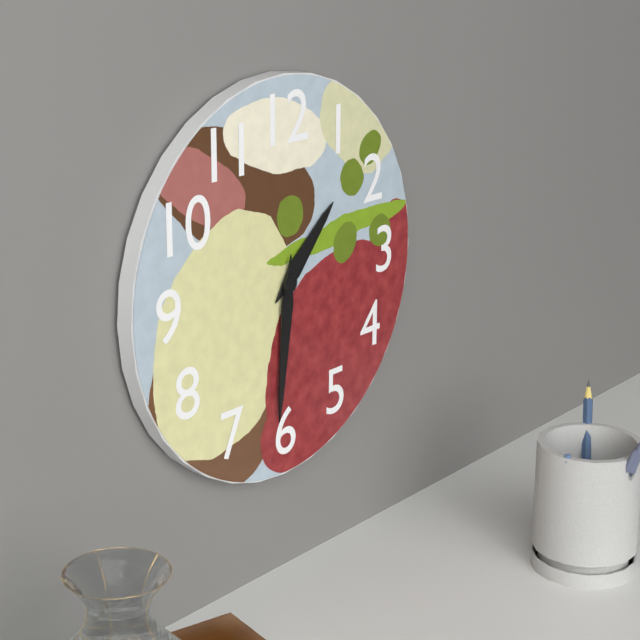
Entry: h=1 m=31
